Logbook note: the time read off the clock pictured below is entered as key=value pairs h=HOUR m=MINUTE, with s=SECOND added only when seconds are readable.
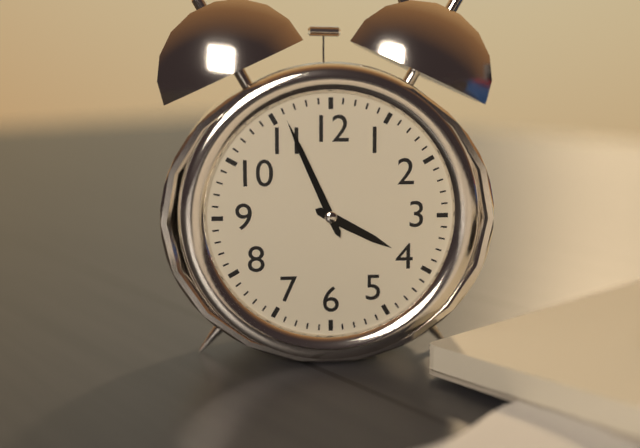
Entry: h=3 m=56
